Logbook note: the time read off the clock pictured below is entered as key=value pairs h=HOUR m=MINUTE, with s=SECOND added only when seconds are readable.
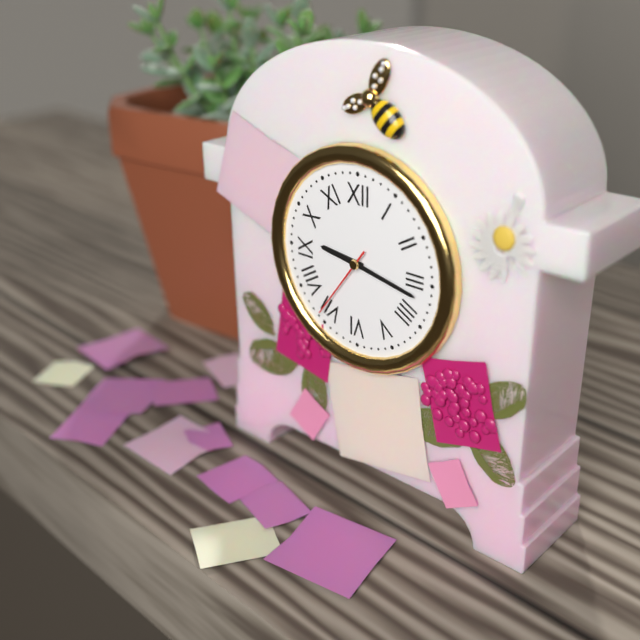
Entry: h=9 m=17 s=36
